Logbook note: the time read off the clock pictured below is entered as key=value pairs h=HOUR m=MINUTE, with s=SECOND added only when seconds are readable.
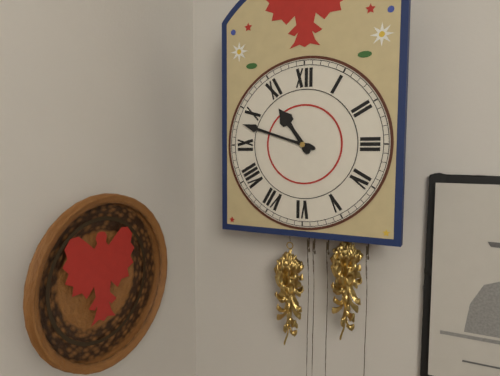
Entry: h=10 m=48
